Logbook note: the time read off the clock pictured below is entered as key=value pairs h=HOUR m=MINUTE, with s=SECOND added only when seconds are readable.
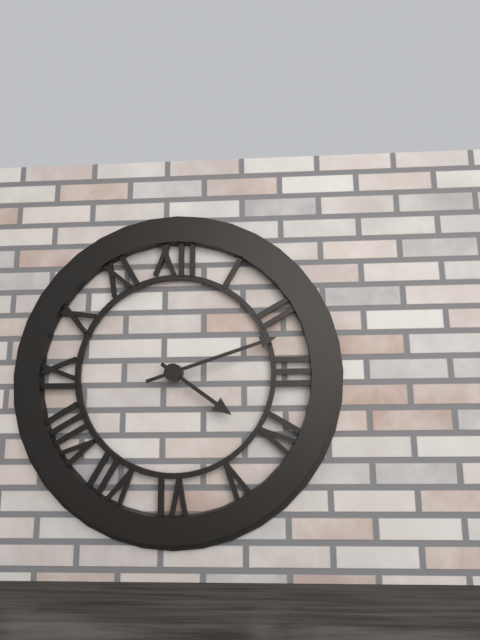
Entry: h=4 m=12
